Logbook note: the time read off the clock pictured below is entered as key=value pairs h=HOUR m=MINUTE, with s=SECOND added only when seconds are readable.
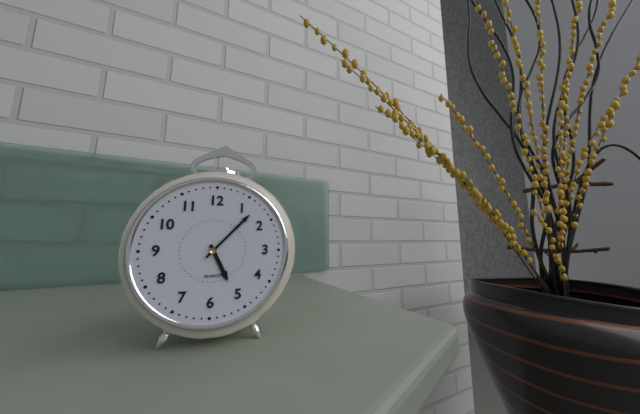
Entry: h=5 m=7
